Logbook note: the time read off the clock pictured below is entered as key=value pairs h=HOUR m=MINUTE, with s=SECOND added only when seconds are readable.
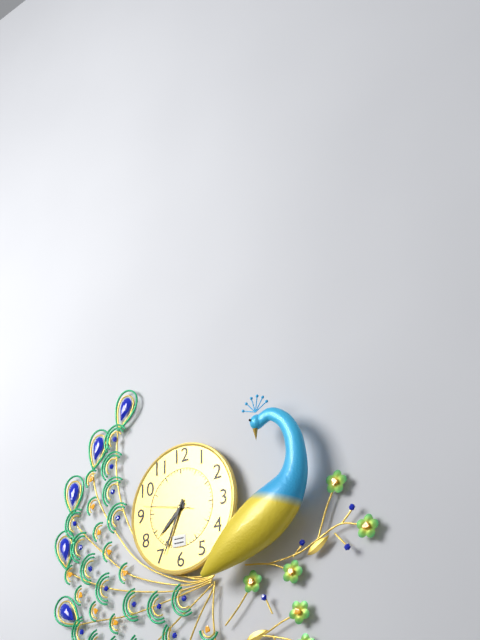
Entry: h=7 m=34 s=47
